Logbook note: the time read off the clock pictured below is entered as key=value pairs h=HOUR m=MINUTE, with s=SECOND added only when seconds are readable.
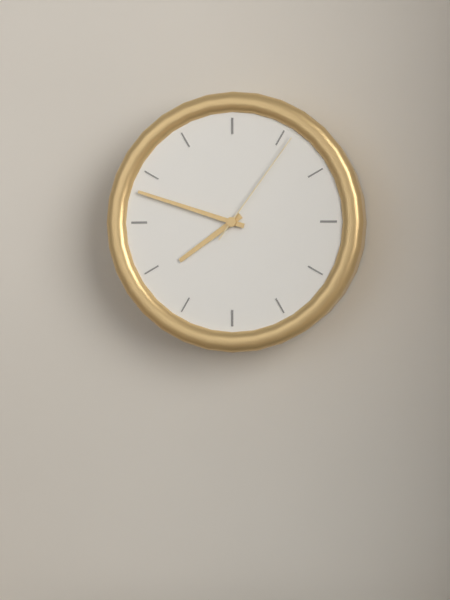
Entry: h=7 m=48 s=6
